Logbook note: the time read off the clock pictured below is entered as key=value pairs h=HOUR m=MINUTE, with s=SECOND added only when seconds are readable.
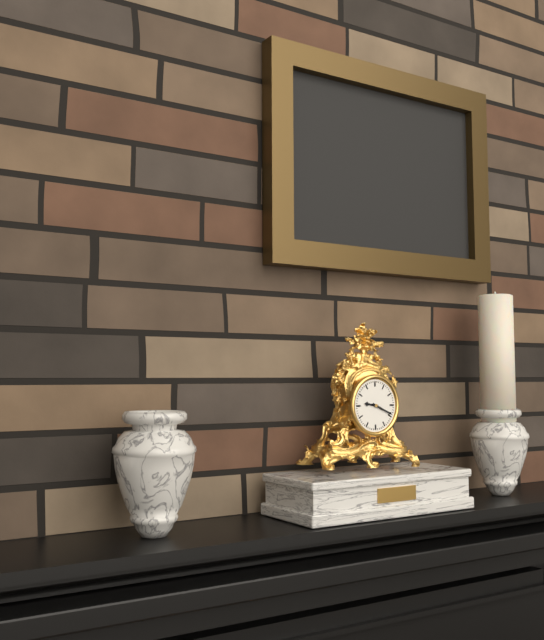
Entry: h=9 m=19
